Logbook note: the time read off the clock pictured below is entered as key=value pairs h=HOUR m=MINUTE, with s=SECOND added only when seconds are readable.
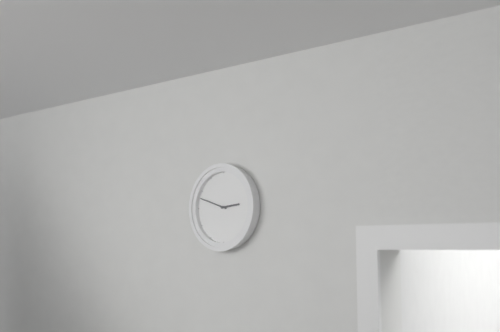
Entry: h=2 m=48
